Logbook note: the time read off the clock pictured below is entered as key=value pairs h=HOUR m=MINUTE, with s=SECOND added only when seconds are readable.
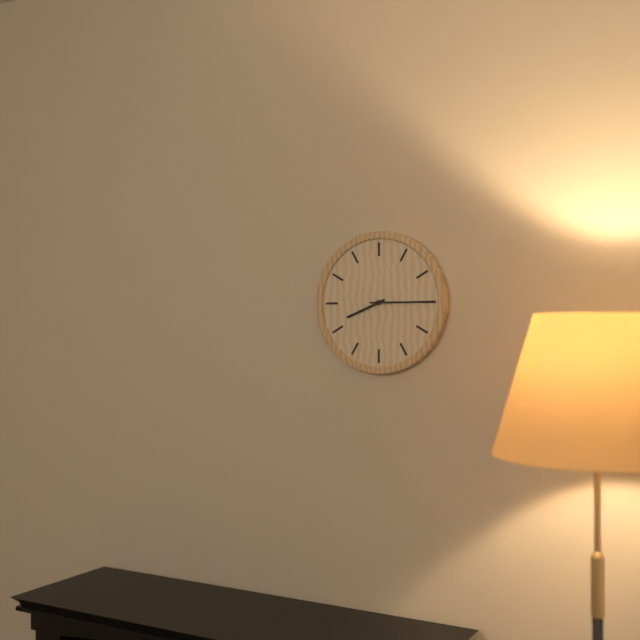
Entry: h=8 m=15
